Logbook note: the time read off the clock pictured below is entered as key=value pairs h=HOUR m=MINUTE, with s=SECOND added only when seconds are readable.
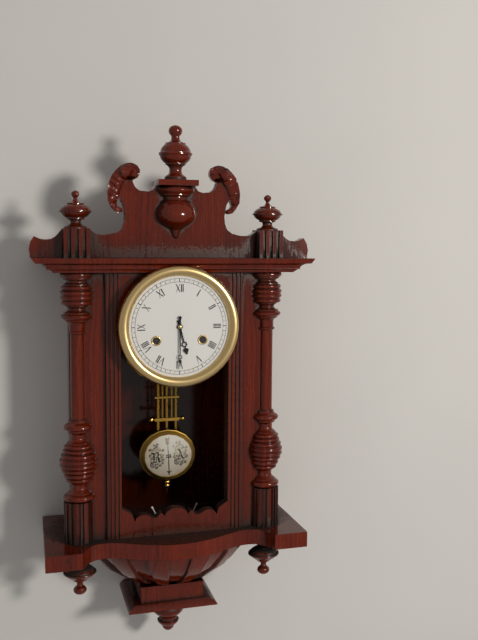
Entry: h=5 m=30
